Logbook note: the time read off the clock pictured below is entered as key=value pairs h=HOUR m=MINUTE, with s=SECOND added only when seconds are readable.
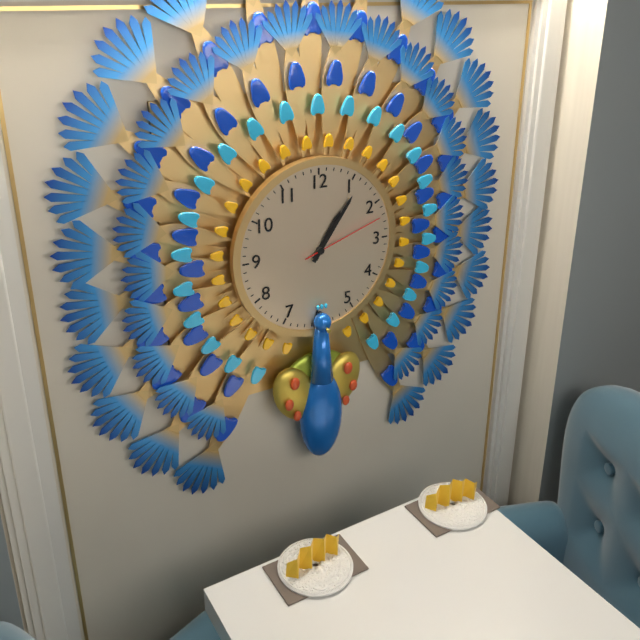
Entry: h=1 m=6 s=12
